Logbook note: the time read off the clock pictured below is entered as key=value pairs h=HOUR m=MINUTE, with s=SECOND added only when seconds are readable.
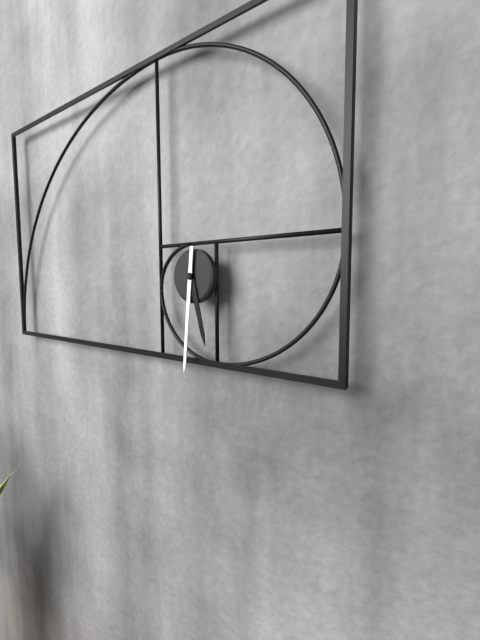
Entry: h=5 m=31
